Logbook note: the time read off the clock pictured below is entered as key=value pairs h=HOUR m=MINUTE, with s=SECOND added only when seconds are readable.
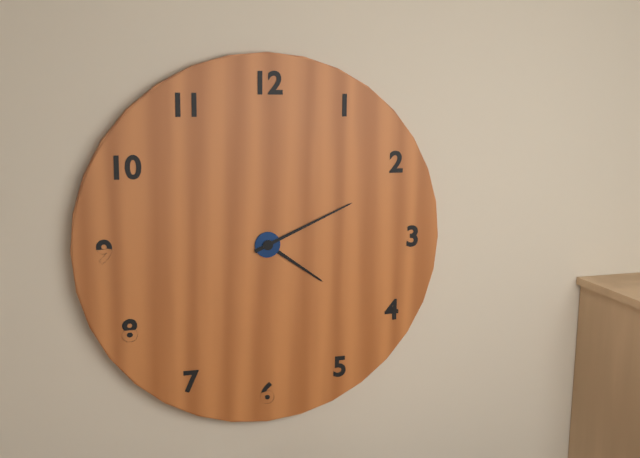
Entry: h=4 m=11
